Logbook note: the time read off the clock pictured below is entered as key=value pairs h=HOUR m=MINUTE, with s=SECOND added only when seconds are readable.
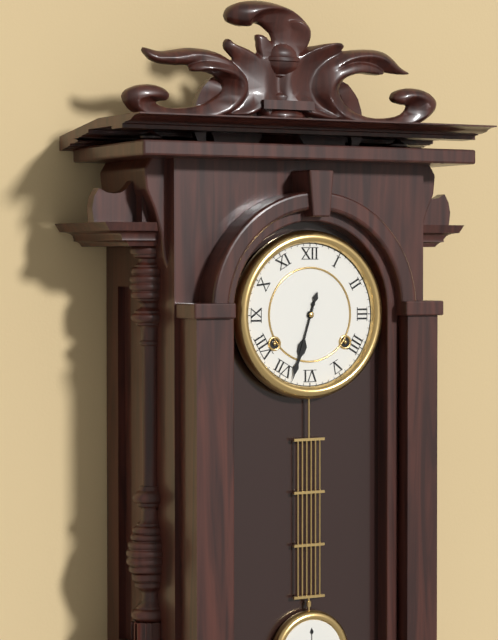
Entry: h=6 m=33
